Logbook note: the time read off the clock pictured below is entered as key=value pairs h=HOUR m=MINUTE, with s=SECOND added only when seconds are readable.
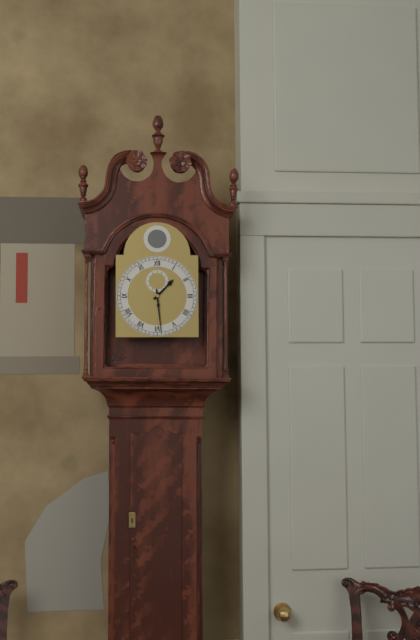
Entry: h=1 m=29
